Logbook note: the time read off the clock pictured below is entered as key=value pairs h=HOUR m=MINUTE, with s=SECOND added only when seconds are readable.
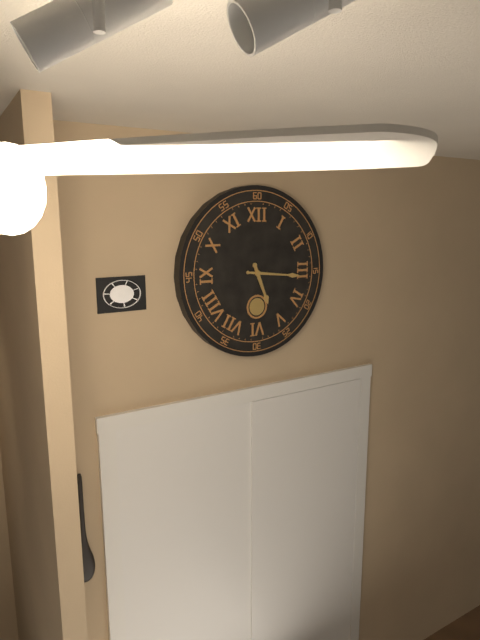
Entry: h=5 m=16
